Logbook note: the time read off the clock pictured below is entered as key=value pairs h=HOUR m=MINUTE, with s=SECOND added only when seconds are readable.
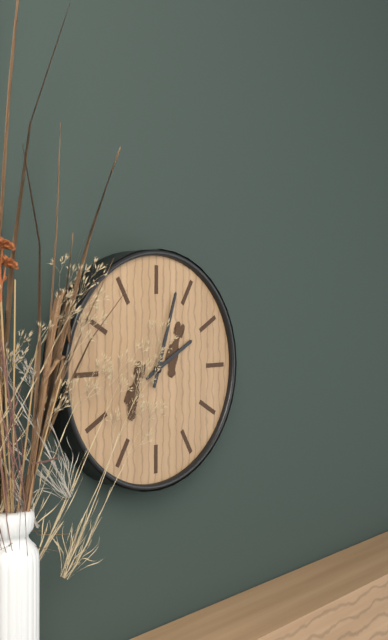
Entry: h=2 m=3
